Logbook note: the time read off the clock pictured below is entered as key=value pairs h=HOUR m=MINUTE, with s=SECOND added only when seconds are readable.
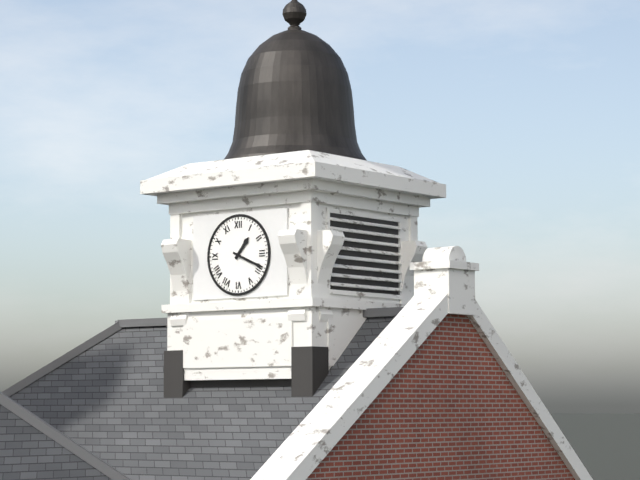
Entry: h=1 m=19
